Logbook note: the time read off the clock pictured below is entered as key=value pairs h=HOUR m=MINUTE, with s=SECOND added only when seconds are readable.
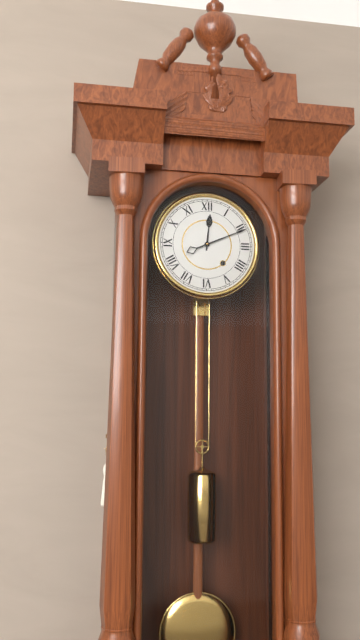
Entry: h=12 m=11
